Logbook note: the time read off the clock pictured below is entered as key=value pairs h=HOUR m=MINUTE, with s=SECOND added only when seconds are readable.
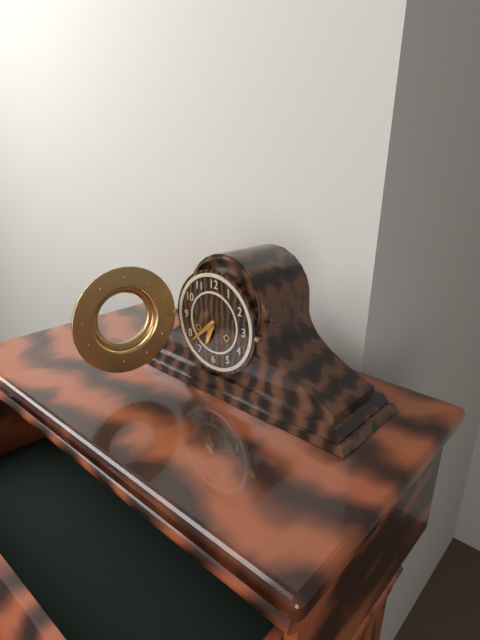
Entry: h=6 m=38
